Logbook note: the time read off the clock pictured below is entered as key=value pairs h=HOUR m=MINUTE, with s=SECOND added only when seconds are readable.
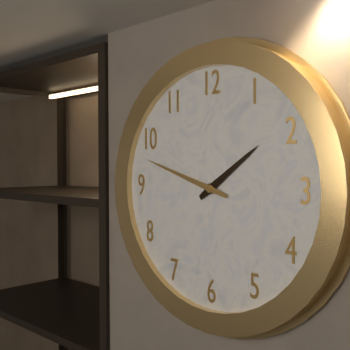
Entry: h=1 m=48
